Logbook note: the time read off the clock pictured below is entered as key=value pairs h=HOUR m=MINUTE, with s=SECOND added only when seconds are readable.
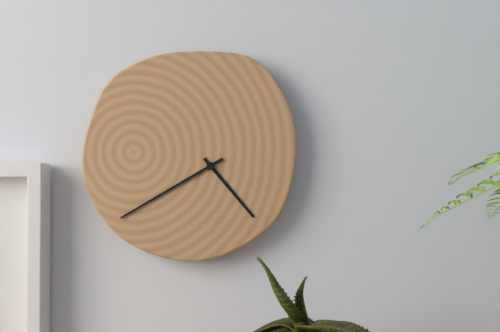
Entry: h=4 m=40
